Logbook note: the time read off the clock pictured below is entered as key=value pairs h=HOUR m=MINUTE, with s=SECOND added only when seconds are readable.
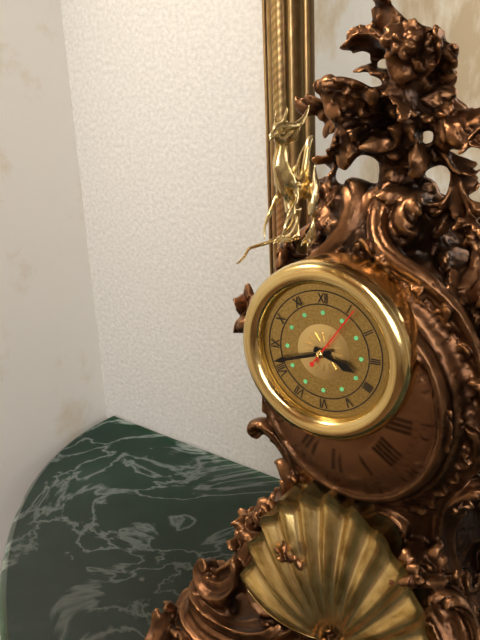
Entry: h=3 m=42 s=6
